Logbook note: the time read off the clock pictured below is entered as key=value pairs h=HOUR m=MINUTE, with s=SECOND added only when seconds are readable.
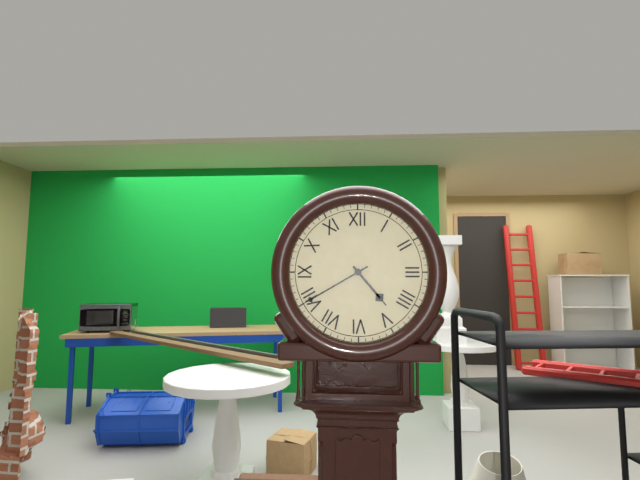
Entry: h=4 m=40
